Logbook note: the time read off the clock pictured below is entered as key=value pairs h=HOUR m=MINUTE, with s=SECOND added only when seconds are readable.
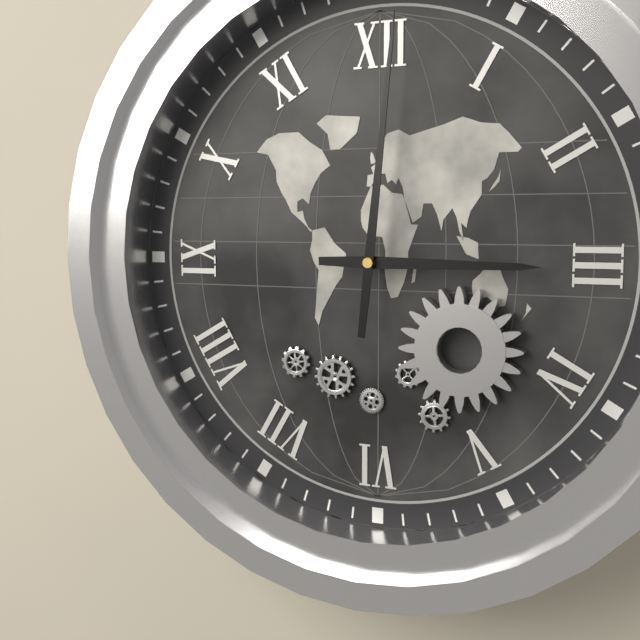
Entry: h=3 m=1
